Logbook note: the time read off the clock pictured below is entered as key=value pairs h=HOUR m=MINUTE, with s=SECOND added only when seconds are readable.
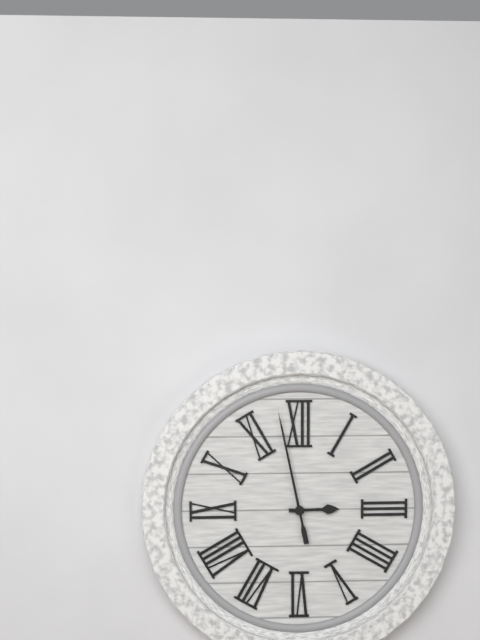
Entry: h=2 m=58
